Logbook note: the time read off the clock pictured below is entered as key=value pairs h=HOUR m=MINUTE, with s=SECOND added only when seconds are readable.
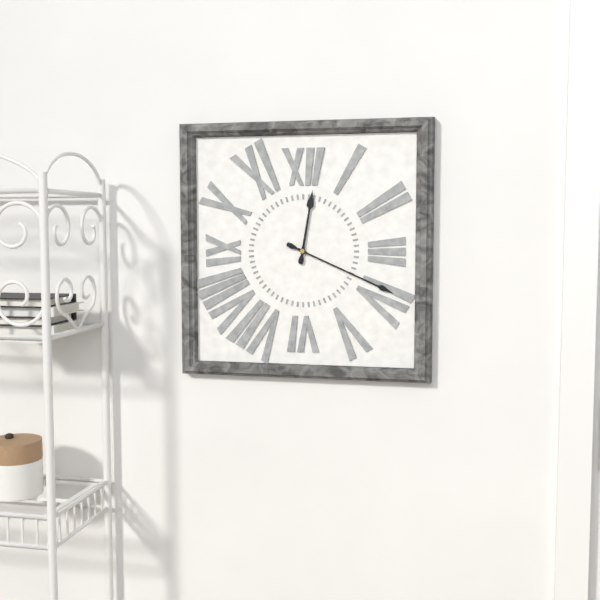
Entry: h=12 m=19
